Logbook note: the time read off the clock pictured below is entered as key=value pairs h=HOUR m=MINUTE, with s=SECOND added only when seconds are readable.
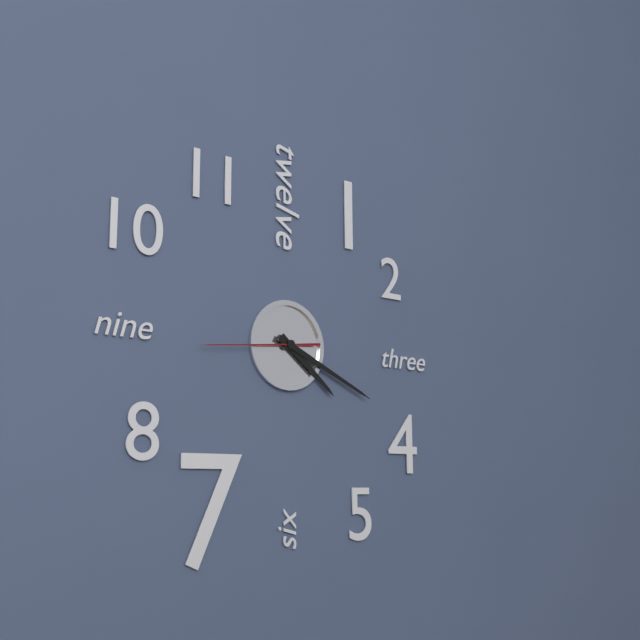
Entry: h=4 m=19 s=44
